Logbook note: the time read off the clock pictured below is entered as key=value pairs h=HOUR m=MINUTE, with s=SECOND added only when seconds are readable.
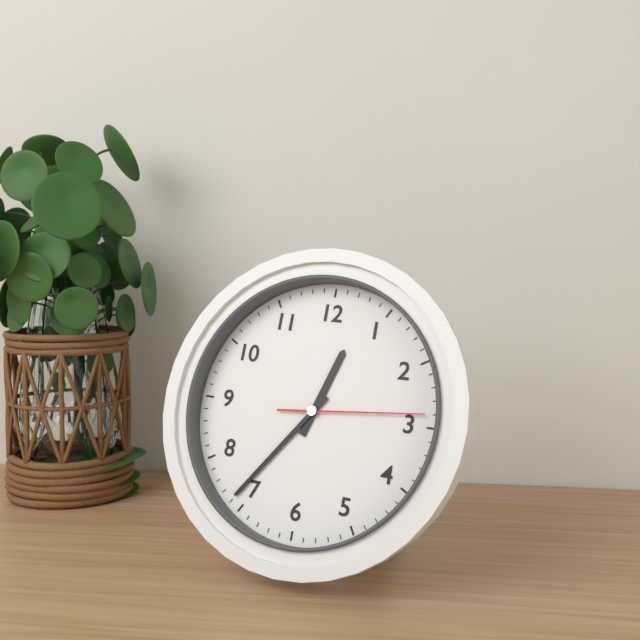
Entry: h=12 m=36 s=14
